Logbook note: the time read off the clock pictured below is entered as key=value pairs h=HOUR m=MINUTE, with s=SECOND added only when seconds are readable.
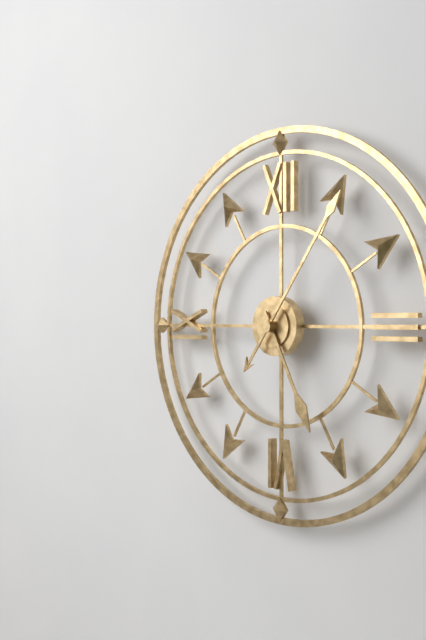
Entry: h=5 m=6
